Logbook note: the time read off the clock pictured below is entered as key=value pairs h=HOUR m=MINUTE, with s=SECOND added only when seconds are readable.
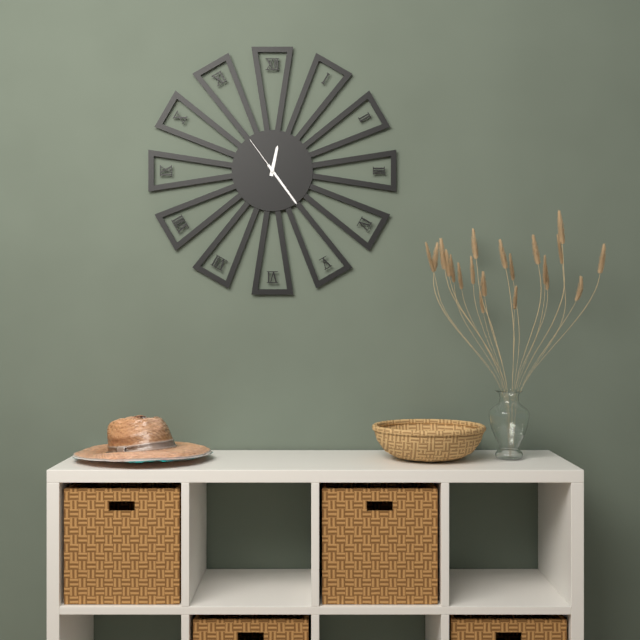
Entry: h=12 m=24
